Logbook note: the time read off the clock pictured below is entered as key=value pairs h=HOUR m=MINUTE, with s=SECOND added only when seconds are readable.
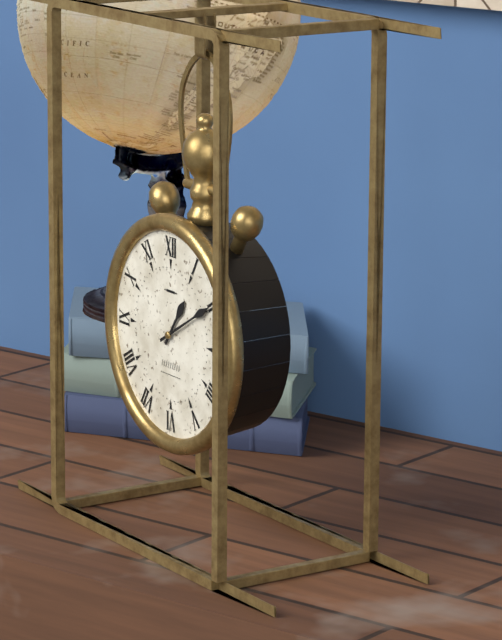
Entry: h=1 m=10
